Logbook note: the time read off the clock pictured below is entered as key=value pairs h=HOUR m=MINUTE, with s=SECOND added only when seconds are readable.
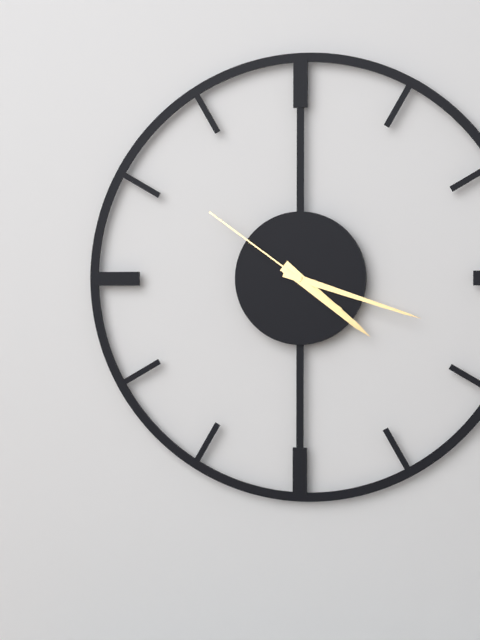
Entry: h=4 m=18 s=51
